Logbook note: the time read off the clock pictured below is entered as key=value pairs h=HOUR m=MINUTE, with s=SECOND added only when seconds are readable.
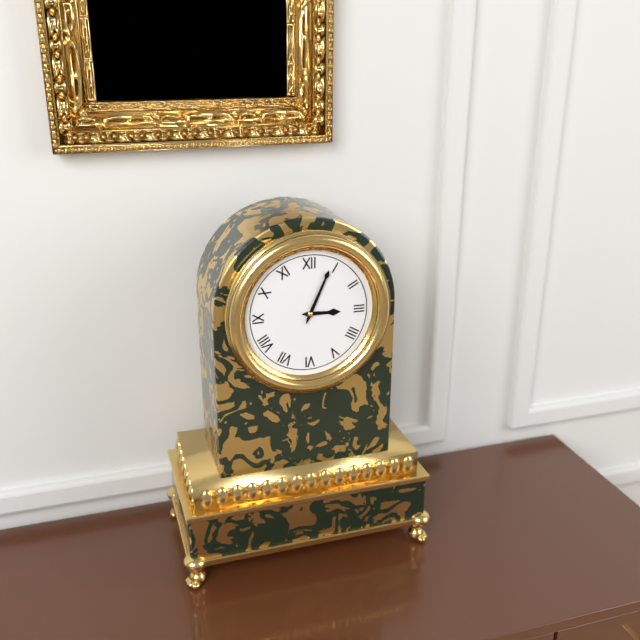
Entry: h=3 m=4
